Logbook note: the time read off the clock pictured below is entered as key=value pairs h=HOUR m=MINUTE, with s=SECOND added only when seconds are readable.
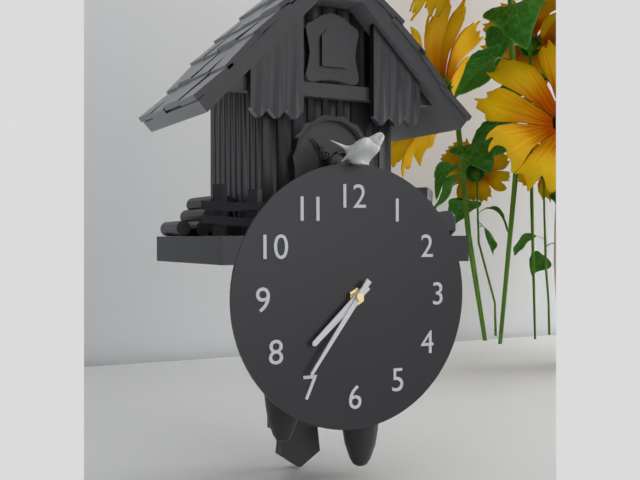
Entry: h=7 m=36
